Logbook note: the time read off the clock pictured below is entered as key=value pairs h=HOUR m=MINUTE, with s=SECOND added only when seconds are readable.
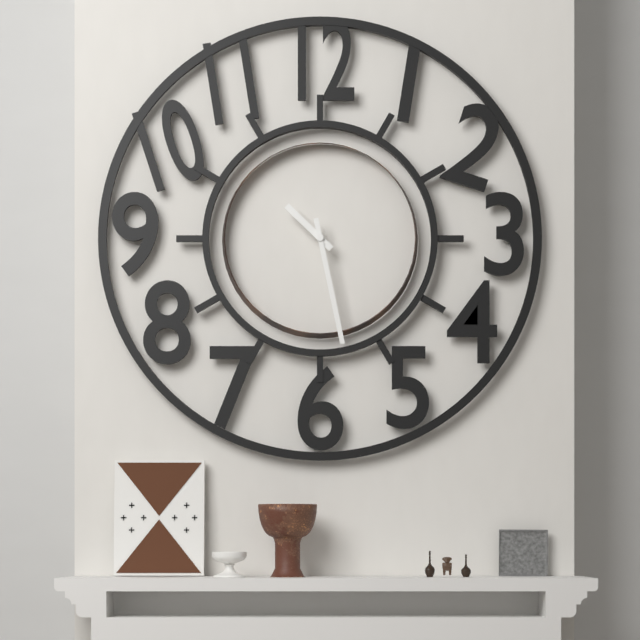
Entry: h=10 m=28
